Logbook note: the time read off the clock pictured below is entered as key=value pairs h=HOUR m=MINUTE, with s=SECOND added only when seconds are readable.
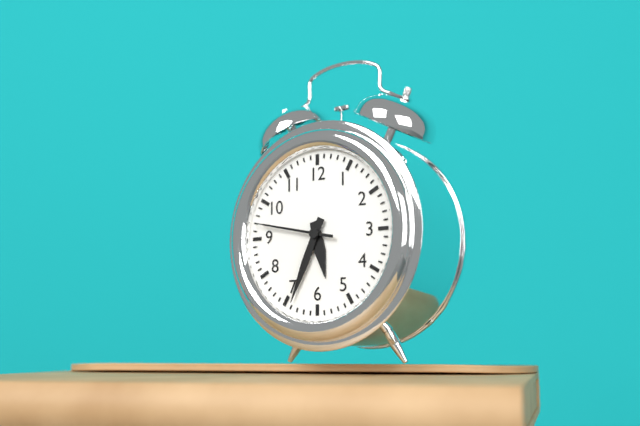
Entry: h=5 m=34 s=47
